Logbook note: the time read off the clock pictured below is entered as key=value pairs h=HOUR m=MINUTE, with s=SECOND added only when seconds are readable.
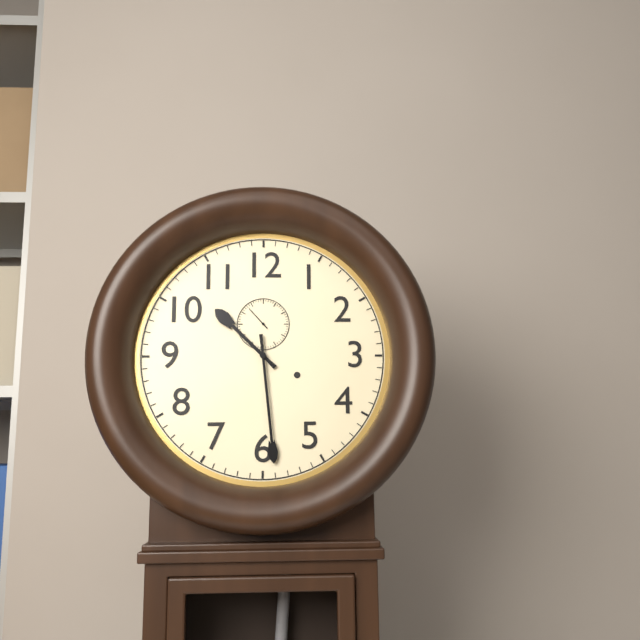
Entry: h=10 m=29
